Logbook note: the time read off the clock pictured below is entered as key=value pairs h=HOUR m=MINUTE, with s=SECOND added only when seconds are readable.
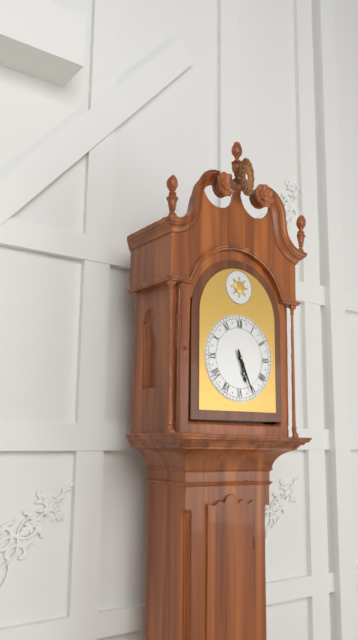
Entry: h=5 m=26
